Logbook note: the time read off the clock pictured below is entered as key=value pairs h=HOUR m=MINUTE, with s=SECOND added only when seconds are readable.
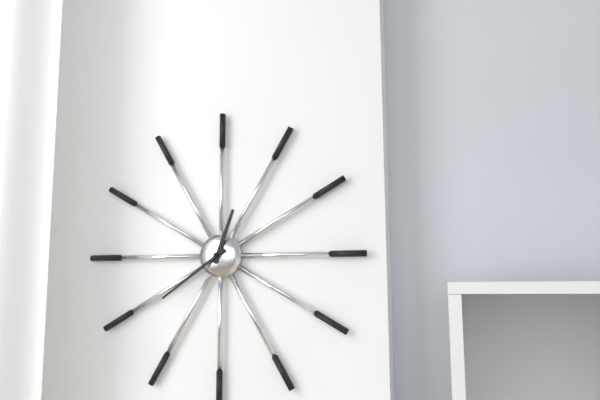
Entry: h=12 m=39
